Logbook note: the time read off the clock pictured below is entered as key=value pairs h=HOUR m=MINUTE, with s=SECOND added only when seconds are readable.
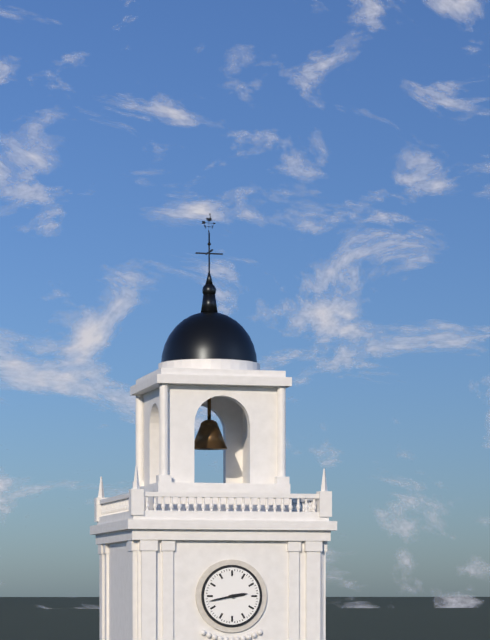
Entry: h=2 m=43
